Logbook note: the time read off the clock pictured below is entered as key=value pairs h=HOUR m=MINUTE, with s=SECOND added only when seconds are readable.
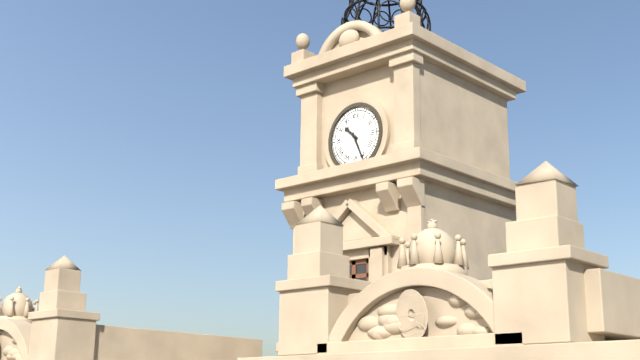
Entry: h=10 m=26
